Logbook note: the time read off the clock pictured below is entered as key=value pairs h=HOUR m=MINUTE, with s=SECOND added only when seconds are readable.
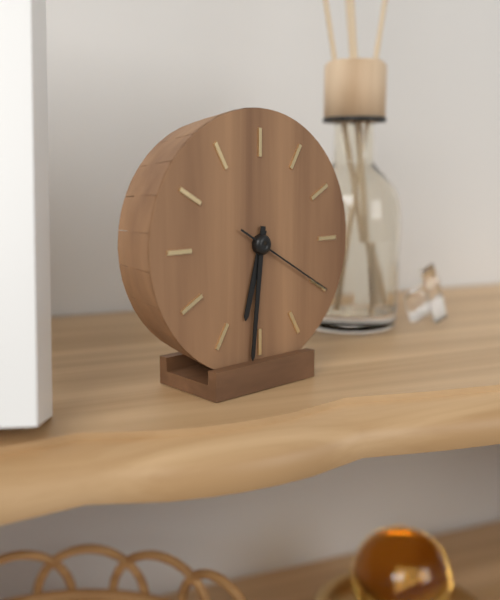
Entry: h=6 m=31 s=20
